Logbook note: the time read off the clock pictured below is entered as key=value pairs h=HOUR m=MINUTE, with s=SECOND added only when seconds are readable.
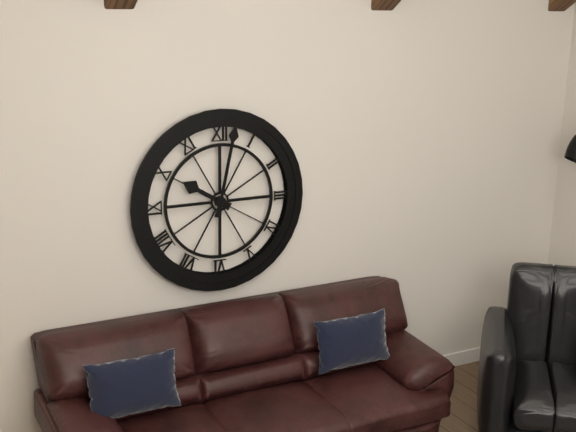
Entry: h=10 m=2
